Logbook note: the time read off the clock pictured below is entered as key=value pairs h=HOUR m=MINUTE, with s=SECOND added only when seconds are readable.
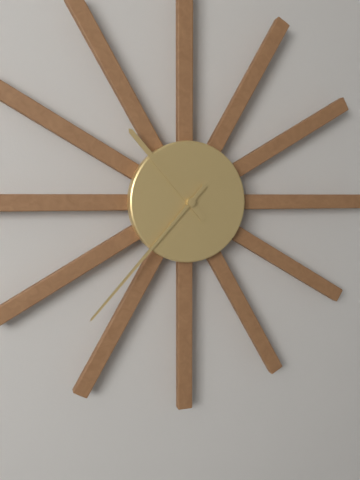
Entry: h=10 m=37
